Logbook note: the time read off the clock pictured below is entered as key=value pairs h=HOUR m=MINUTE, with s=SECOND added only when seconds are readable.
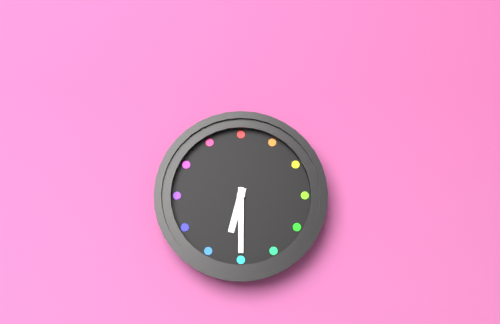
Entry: h=6 m=30
